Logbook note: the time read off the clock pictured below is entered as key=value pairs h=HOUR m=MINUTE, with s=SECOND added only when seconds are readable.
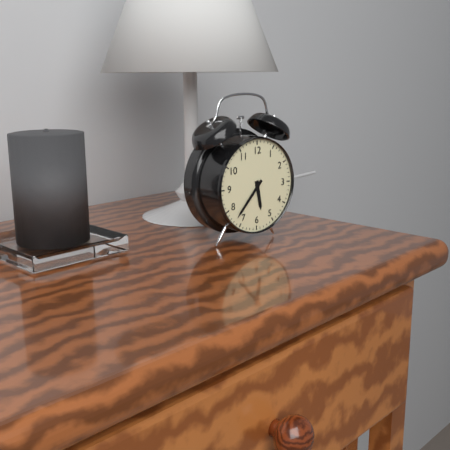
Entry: h=5 m=37
